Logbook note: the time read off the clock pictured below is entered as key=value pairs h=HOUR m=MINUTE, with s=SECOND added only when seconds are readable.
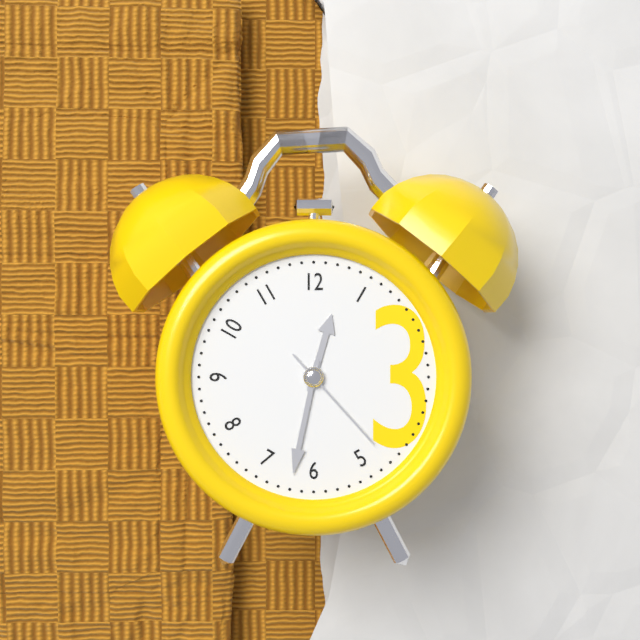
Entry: h=12 m=32 s=23
